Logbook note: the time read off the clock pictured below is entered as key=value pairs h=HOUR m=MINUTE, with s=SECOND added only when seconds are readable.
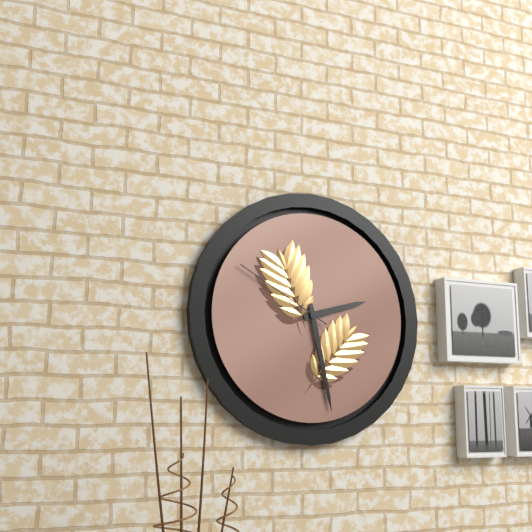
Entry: h=2 m=28 s=50
